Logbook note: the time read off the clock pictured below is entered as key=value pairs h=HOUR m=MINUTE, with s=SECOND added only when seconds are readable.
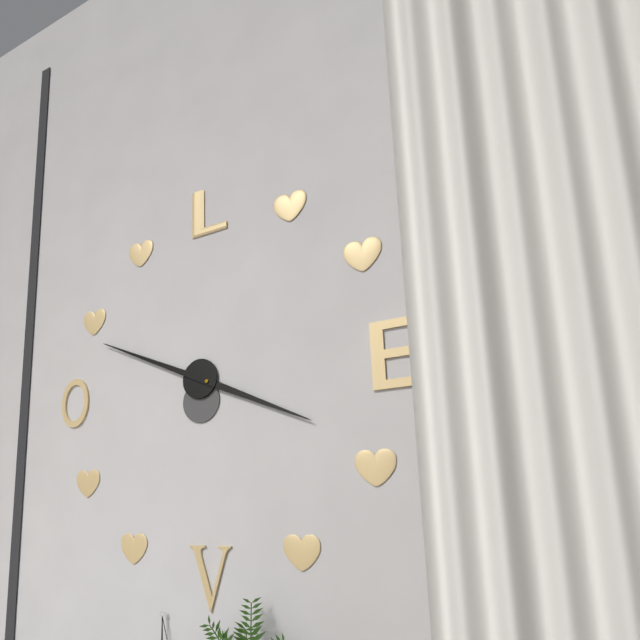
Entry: h=3 m=49
